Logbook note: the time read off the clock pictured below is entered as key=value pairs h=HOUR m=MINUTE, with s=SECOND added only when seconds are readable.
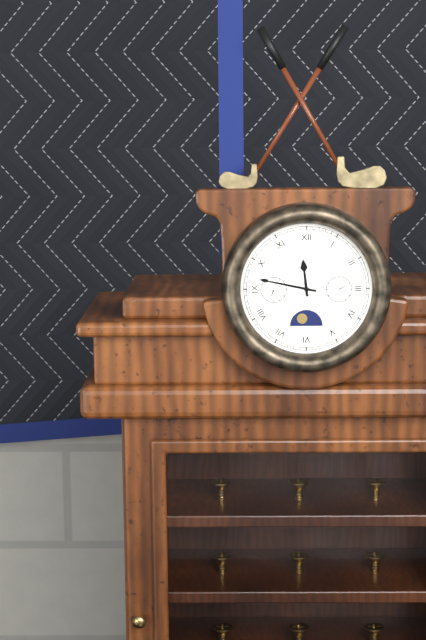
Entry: h=11 m=47
